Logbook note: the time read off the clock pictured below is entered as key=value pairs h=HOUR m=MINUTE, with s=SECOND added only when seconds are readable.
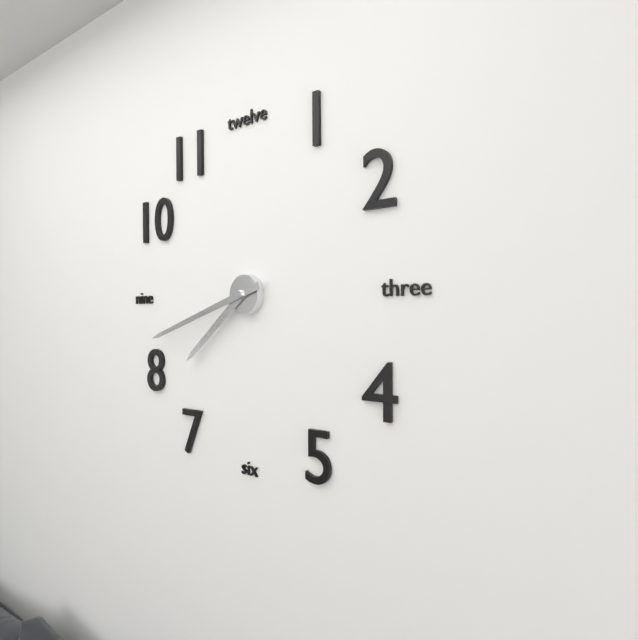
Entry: h=7 m=42
